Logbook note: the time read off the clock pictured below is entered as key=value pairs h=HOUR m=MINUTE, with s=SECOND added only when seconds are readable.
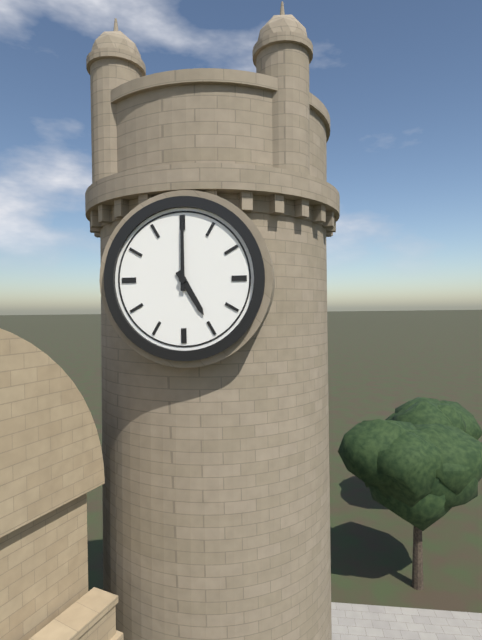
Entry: h=5 m=0
